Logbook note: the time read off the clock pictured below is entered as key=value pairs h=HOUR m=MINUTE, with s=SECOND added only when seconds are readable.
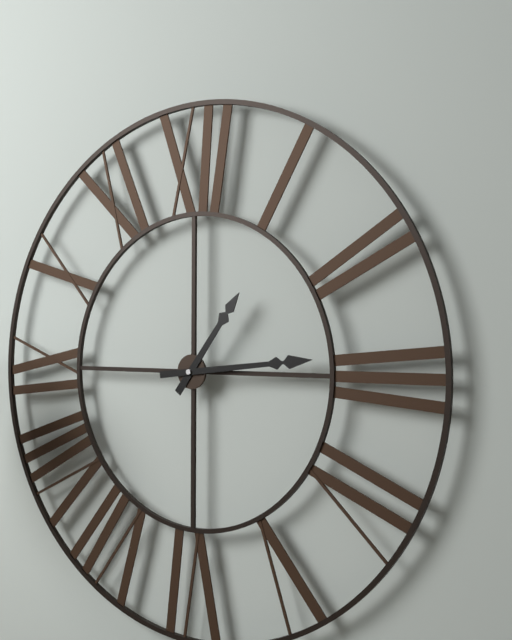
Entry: h=1 m=14
